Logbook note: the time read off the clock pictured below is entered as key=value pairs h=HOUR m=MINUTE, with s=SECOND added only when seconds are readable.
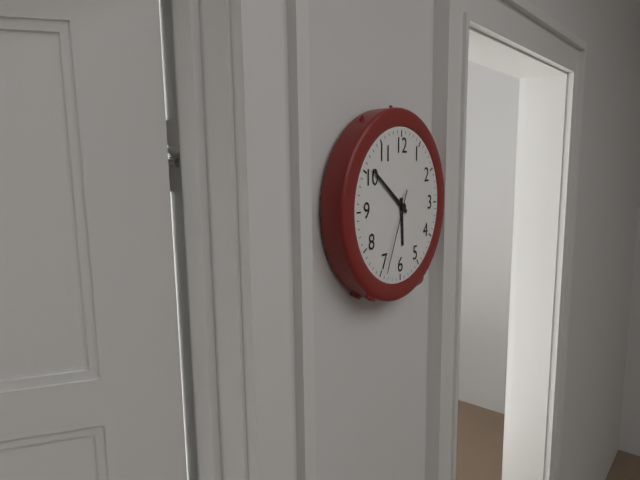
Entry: h=5 m=51 s=34
